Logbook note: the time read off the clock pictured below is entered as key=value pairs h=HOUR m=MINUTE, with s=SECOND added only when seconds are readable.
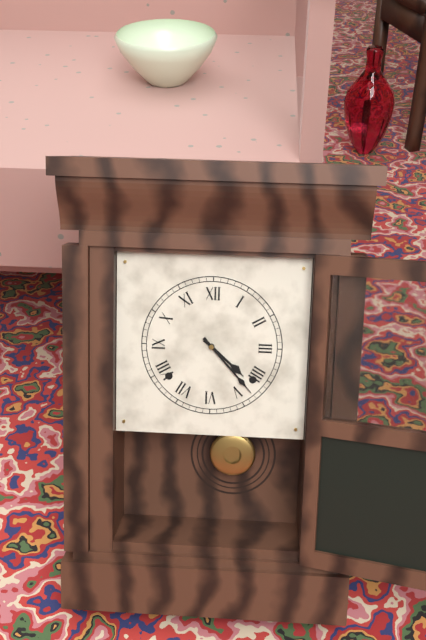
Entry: h=4 m=23
